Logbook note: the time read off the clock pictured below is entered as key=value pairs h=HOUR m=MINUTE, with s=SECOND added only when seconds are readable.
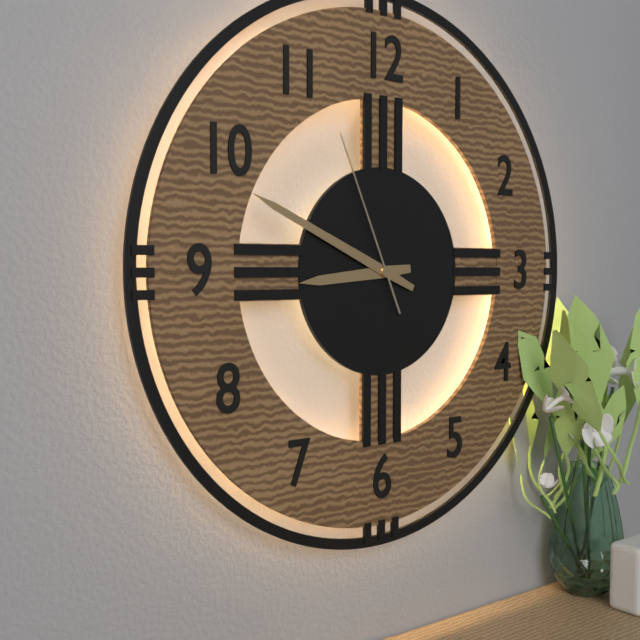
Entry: h=8 m=49 s=56
